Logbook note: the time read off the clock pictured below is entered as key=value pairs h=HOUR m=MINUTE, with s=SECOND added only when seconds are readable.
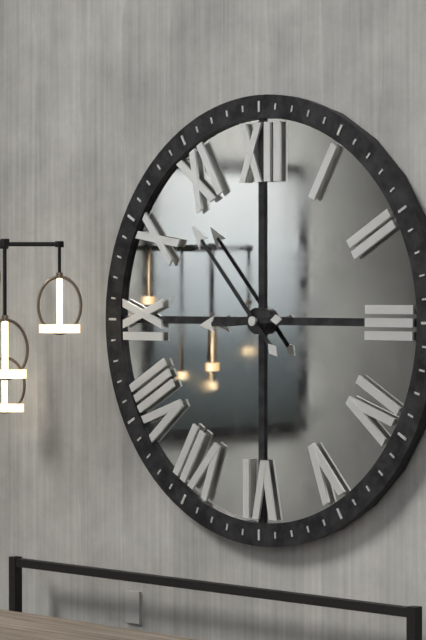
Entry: h=8 m=53
